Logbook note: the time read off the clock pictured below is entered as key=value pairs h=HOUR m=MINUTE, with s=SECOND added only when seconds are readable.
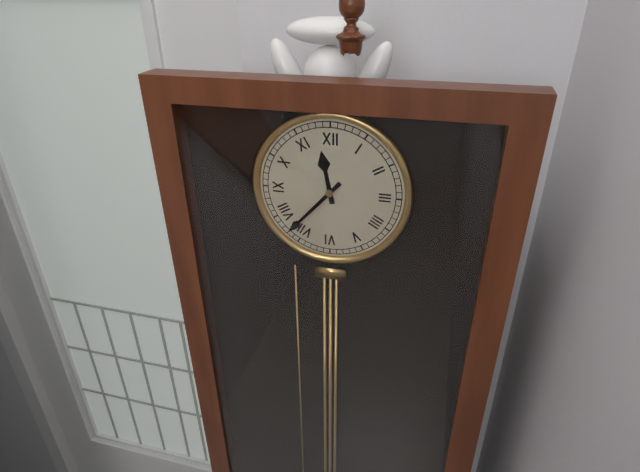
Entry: h=11 m=37
